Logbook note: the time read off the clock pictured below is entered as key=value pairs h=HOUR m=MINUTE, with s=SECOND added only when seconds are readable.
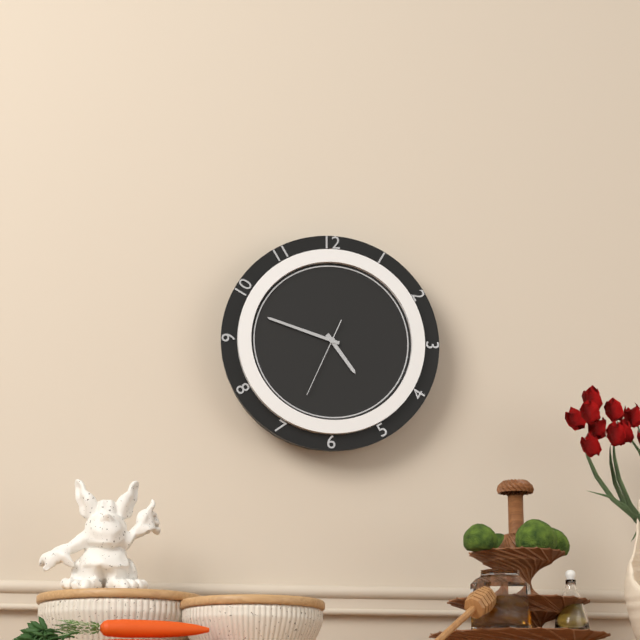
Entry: h=4 m=48 s=34
